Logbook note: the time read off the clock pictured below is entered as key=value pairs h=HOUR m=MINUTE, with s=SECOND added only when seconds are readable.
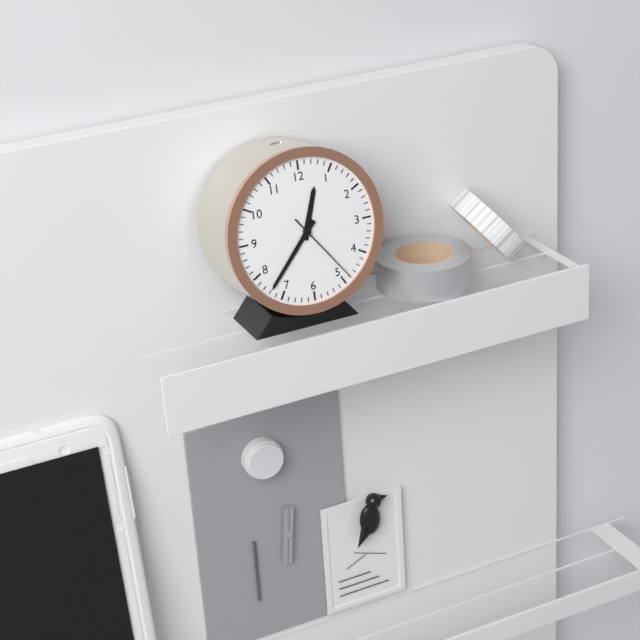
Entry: h=12 m=37 s=24
